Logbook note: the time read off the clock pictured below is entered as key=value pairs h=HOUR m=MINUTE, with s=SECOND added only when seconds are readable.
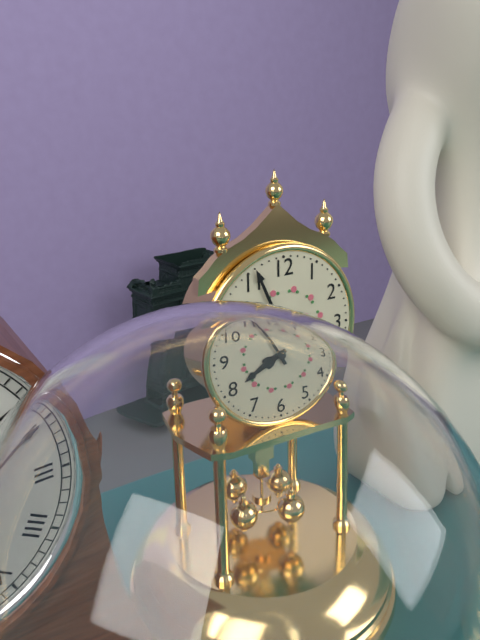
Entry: h=7 m=56
